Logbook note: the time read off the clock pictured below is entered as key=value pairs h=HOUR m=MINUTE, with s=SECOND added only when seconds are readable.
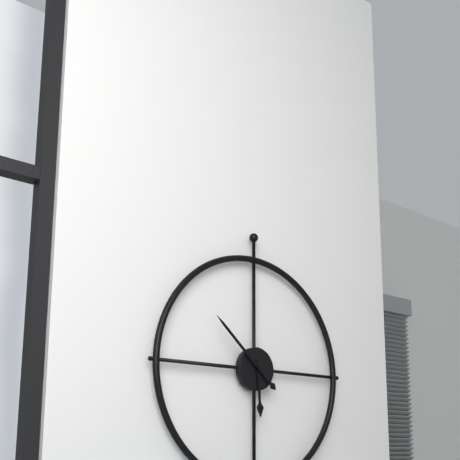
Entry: h=5 m=52
